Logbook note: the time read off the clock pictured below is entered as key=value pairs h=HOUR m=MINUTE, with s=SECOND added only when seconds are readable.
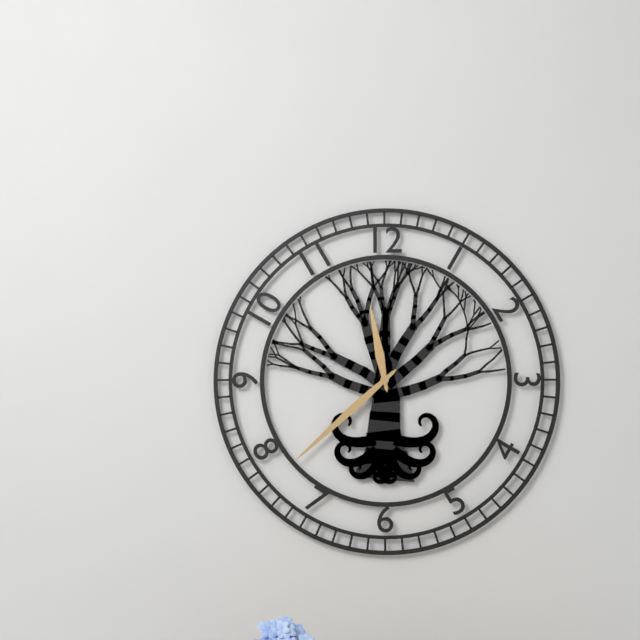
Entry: h=11 m=38
